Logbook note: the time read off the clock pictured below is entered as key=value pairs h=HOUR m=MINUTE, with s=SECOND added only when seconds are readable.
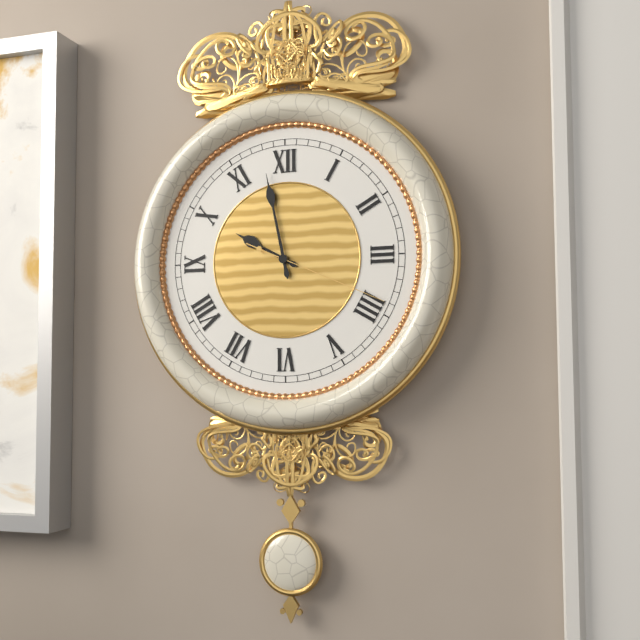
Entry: h=9 m=58 s=19
